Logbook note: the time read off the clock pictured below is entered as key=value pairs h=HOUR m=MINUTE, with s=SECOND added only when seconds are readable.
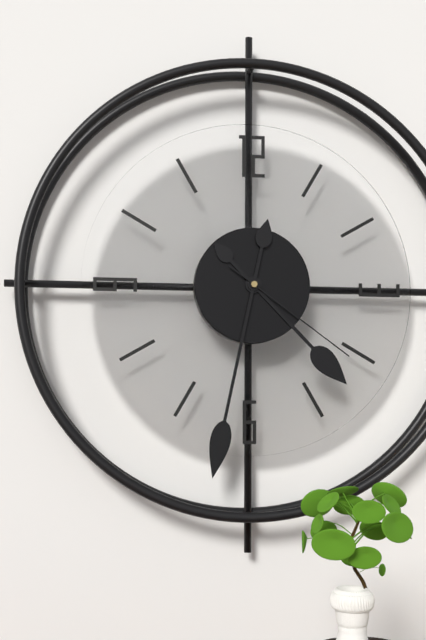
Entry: h=4 m=32 s=21
